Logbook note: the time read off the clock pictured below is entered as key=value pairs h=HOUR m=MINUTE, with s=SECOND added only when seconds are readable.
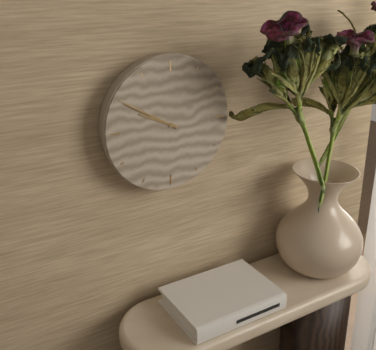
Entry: h=9 m=50
